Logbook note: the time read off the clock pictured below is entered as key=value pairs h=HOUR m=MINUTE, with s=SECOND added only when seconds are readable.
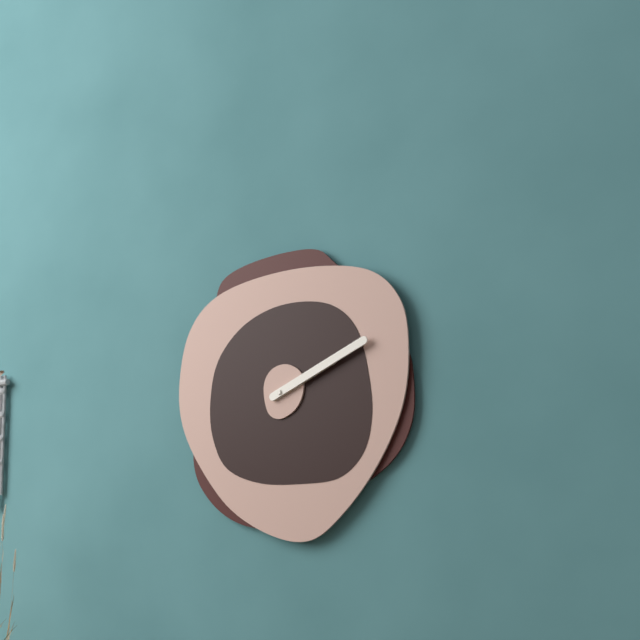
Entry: h=2 m=11
